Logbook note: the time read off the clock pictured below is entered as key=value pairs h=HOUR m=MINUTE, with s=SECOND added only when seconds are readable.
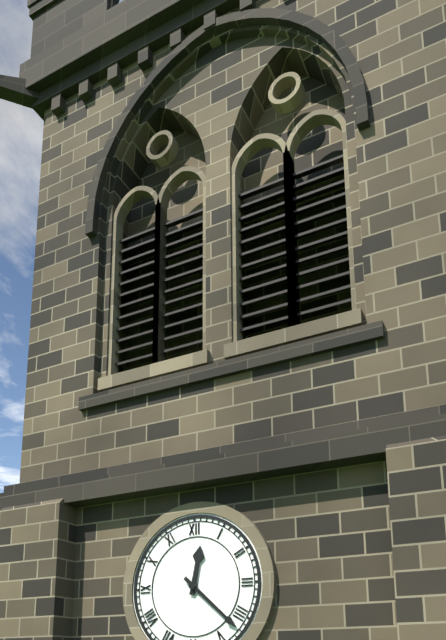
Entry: h=12 m=22
